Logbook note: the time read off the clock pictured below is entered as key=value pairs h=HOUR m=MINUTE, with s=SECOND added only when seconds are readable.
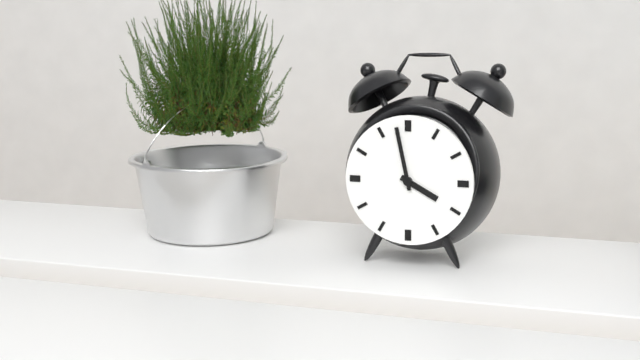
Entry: h=3 m=58
